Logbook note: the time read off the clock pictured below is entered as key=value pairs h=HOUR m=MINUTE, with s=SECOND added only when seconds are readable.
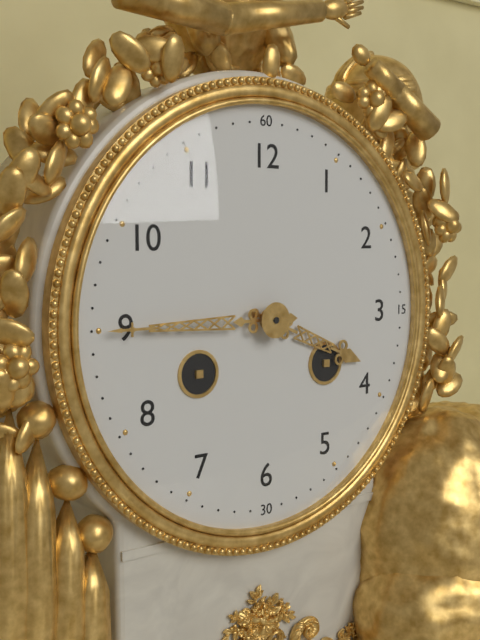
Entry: h=3 m=45
